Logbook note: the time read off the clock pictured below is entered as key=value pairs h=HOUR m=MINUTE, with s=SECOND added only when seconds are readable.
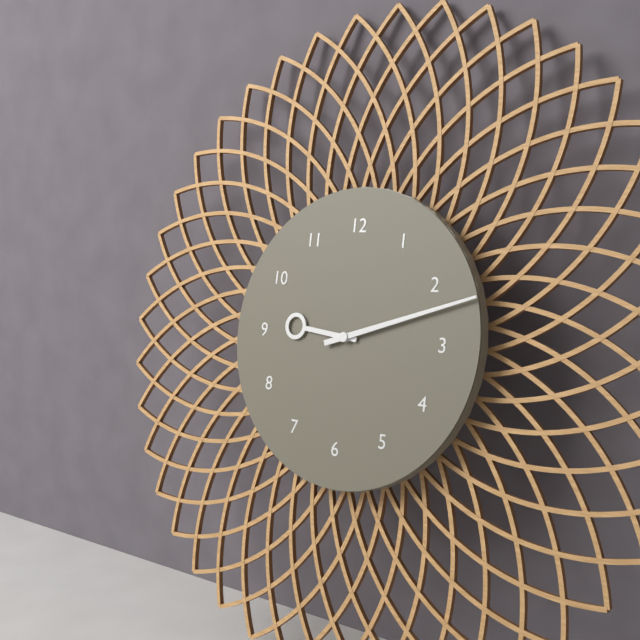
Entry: h=9 m=12
